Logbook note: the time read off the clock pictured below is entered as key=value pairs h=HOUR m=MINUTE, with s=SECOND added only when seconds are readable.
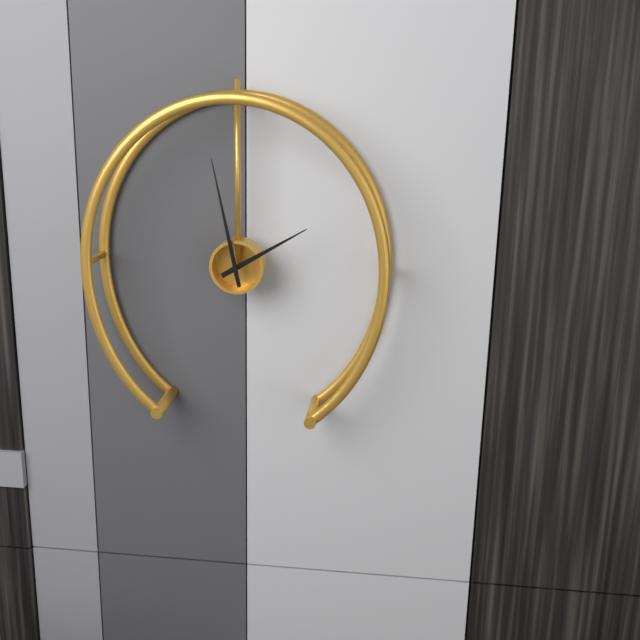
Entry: h=1 m=58
